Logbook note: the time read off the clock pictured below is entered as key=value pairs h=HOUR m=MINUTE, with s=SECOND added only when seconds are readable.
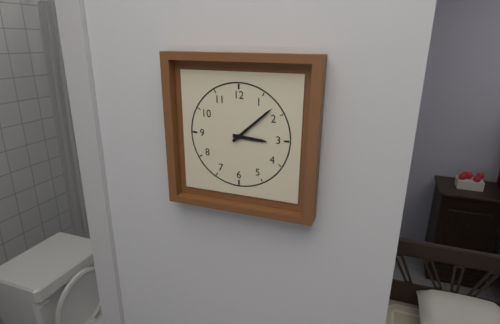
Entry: h=3 m=8
